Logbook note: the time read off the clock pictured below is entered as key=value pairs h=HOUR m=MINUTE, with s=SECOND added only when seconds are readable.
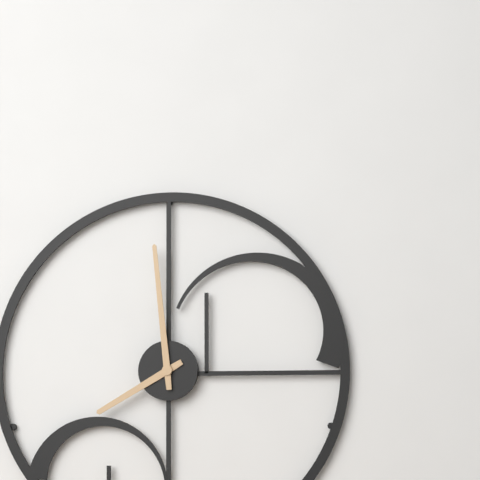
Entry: h=7 m=59
